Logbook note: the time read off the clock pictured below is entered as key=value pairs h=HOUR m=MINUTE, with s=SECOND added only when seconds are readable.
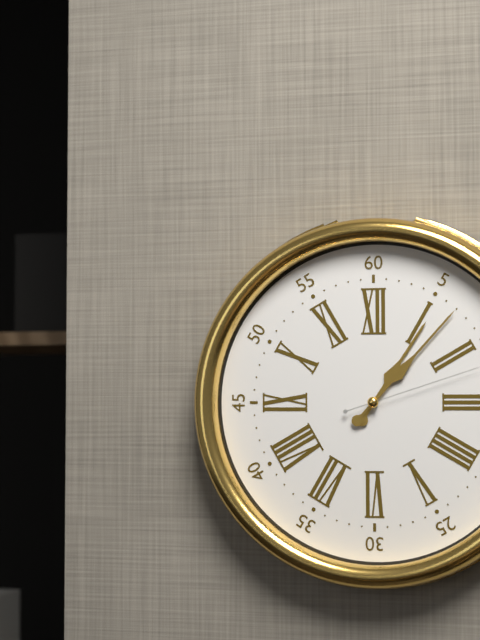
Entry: h=1 m=7
